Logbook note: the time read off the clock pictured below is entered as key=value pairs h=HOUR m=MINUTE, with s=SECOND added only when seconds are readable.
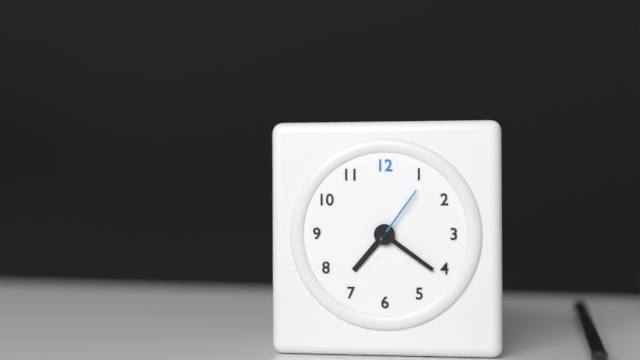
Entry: h=7 m=21 s=6
